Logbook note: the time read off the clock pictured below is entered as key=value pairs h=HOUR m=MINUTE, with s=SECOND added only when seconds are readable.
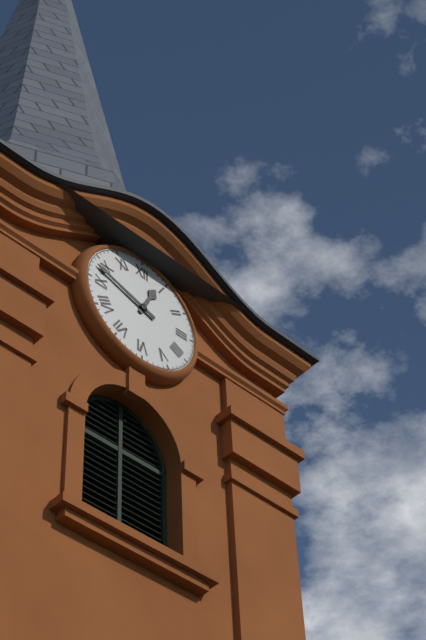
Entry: h=12 m=48
